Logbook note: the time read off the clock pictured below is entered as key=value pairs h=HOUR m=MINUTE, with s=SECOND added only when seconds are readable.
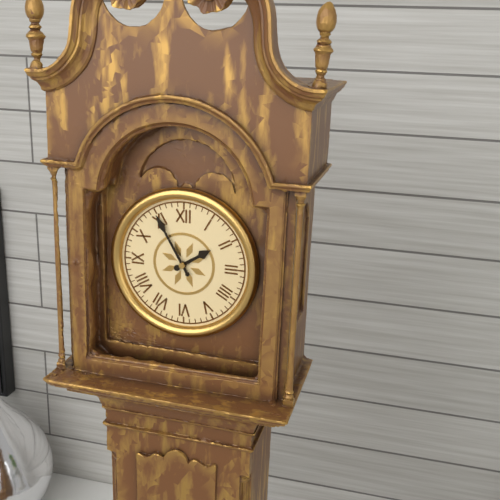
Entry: h=1 m=55
